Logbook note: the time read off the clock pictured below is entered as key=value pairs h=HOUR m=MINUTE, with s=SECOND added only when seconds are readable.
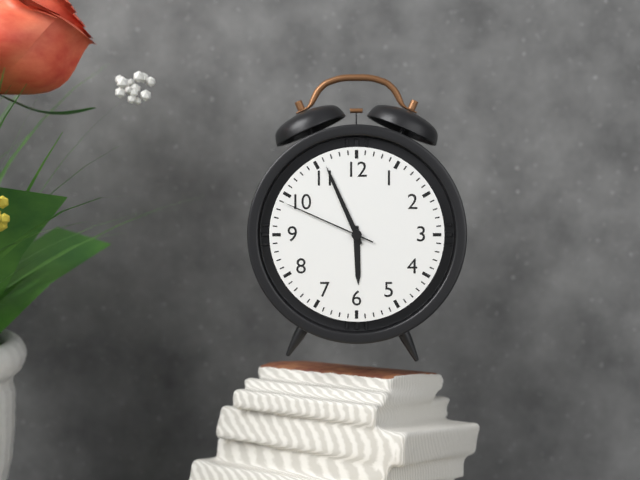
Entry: h=5 m=56 s=49
